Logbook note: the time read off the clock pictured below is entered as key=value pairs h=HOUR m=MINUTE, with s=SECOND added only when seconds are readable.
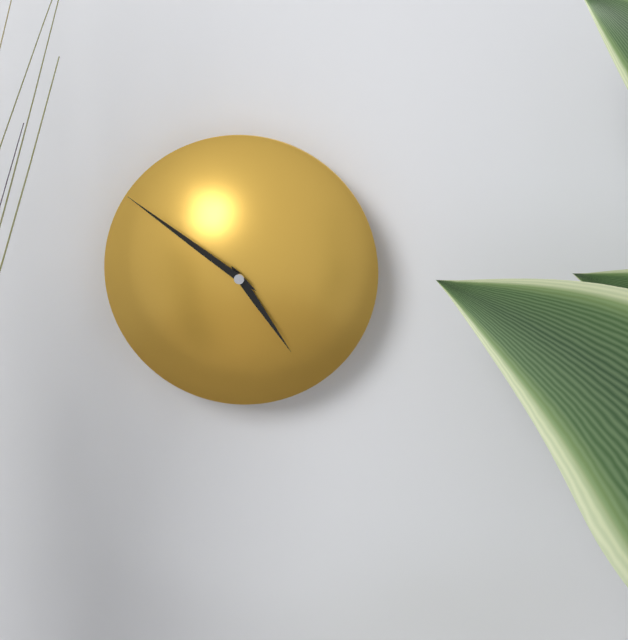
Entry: h=4 m=51
